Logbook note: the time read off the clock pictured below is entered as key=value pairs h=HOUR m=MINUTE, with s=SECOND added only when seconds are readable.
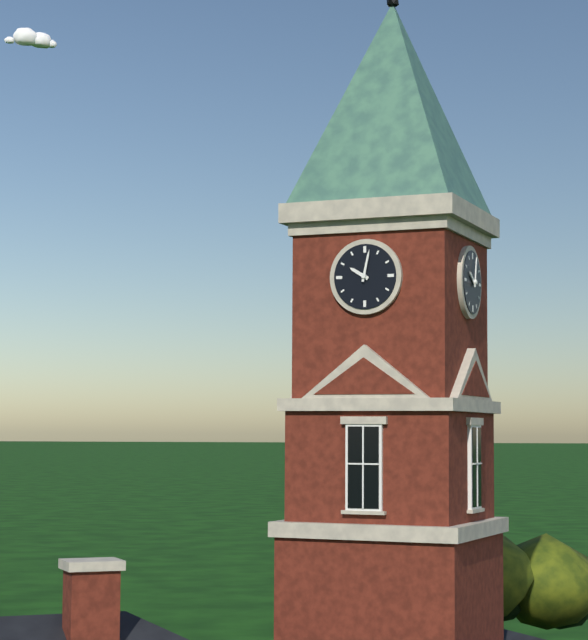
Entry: h=10 m=2
